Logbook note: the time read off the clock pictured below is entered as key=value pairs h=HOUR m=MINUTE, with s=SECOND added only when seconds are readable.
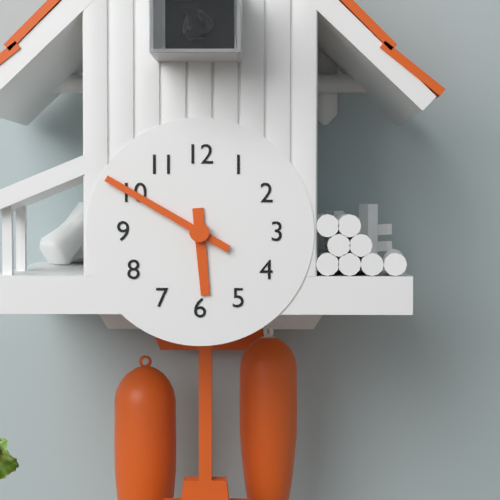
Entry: h=5 m=50
